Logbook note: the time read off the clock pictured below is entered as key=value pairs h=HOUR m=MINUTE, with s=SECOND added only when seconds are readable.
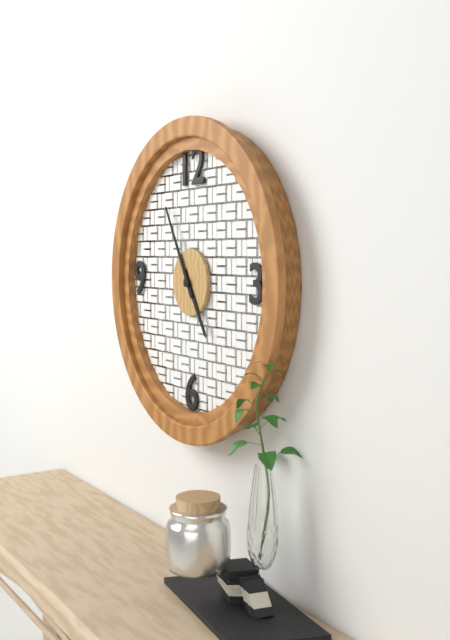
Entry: h=4 m=55
